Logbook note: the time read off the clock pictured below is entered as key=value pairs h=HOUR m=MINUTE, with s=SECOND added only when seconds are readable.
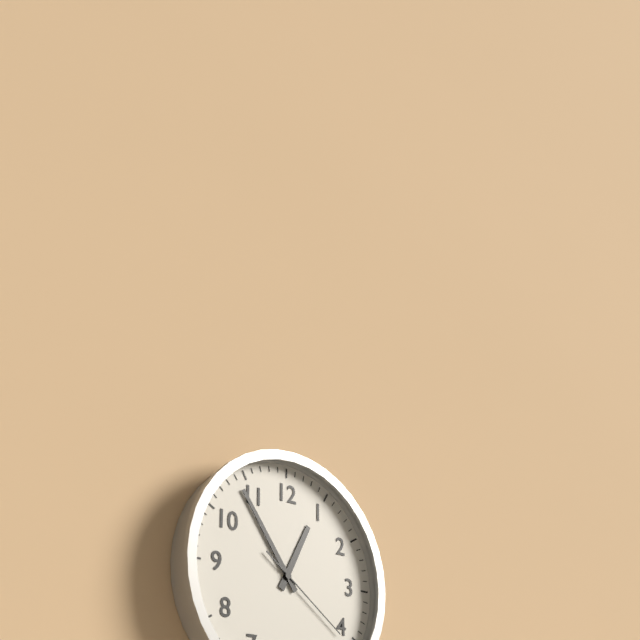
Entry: h=12 m=54 s=21
